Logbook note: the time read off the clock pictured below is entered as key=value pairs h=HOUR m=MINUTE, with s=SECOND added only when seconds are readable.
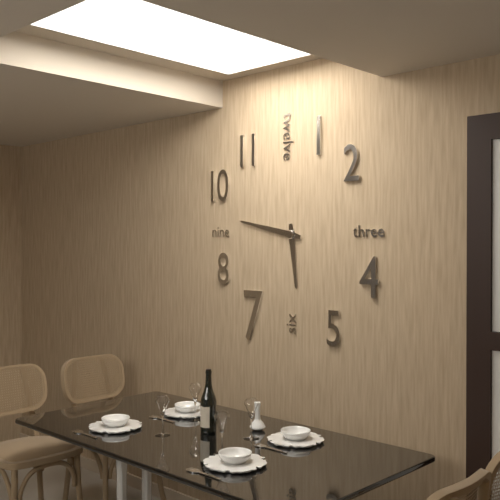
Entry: h=5 m=47
